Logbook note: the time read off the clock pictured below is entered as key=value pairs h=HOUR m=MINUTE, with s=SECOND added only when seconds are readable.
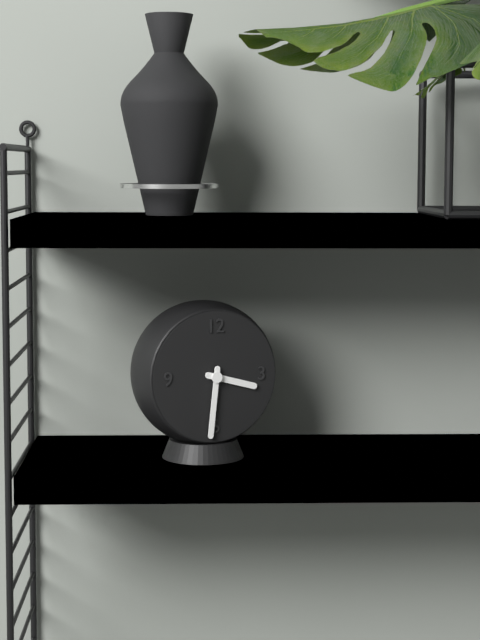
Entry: h=3 m=31
